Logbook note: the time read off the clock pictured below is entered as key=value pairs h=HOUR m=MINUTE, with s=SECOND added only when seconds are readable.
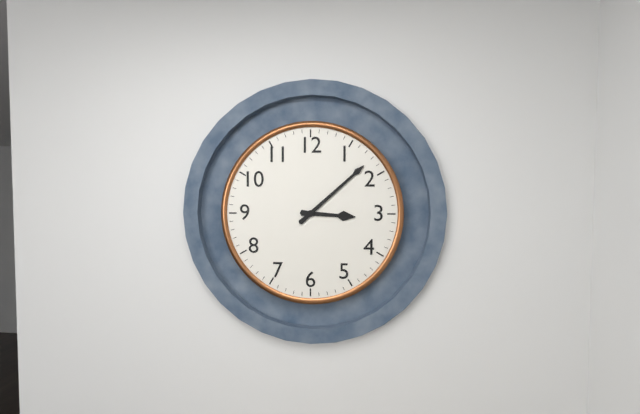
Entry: h=3 m=8
